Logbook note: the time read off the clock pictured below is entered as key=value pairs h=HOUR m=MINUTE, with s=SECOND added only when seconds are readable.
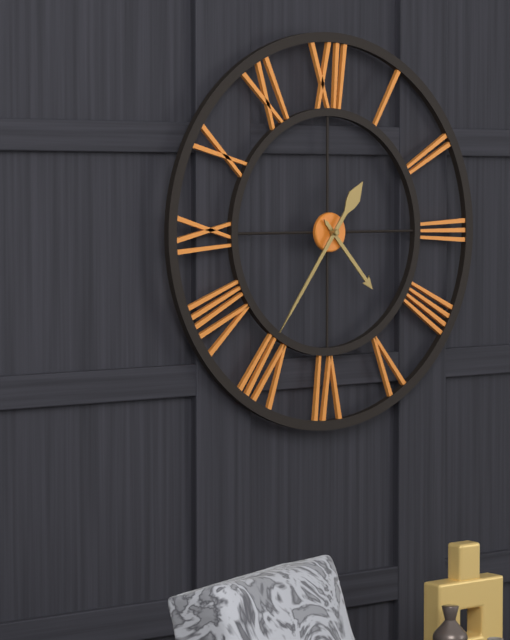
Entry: h=4 m=36
